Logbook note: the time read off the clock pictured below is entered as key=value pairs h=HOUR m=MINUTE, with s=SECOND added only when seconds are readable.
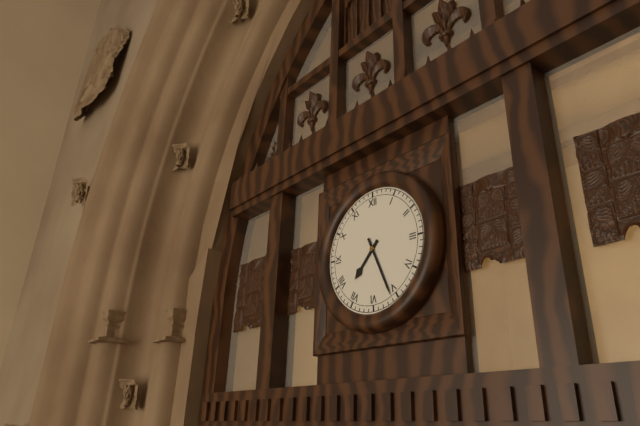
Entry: h=7 m=26
